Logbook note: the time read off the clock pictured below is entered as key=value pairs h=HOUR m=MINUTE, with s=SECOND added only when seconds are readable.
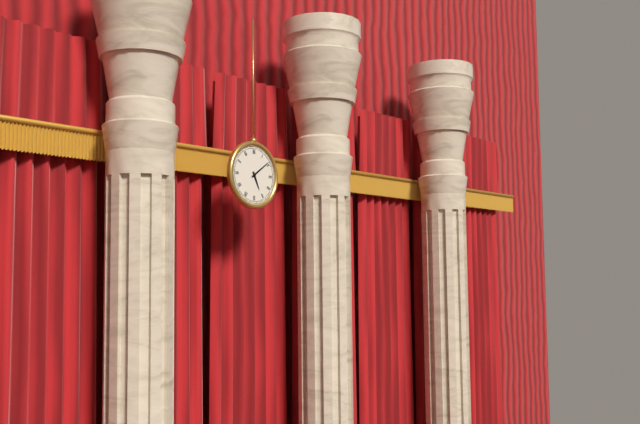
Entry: h=5 m=9
